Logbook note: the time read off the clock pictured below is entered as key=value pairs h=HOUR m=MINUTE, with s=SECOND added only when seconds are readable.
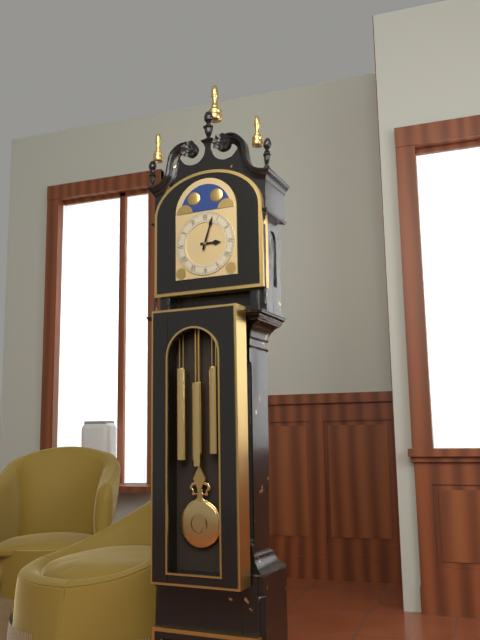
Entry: h=3 m=3
